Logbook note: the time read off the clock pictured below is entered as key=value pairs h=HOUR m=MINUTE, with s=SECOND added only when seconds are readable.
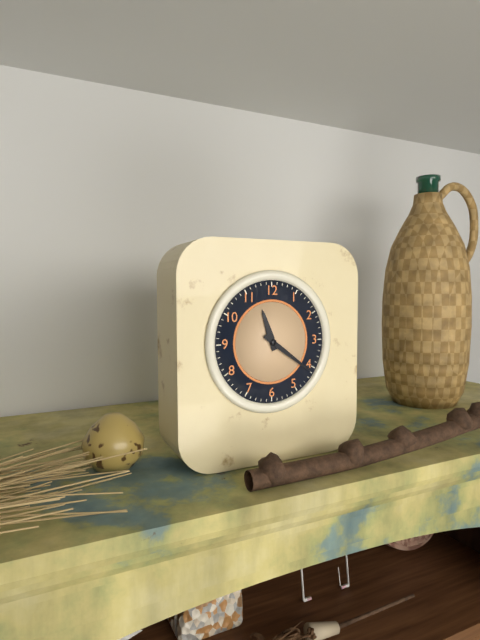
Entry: h=11 m=21
